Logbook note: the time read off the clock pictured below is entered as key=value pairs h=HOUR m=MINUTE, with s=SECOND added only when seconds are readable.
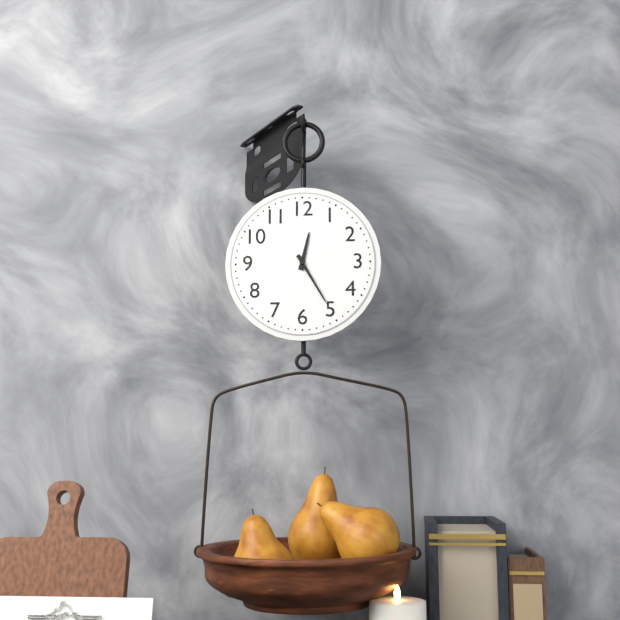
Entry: h=12 m=25
